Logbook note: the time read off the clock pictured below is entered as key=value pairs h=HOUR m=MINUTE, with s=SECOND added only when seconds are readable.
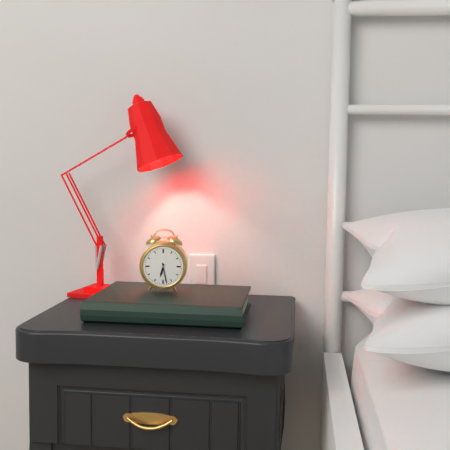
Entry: h=6 m=28
